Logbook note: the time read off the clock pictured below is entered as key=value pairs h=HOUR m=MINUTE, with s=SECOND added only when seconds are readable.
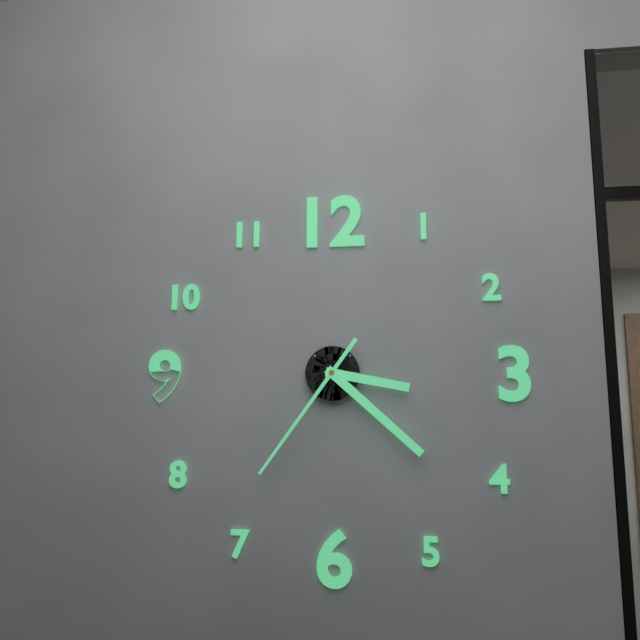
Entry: h=3 m=22 s=36
